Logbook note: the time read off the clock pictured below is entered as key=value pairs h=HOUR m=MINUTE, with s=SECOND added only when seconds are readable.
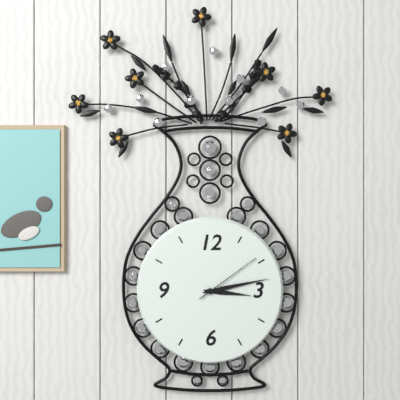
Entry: h=3 m=13 s=9
